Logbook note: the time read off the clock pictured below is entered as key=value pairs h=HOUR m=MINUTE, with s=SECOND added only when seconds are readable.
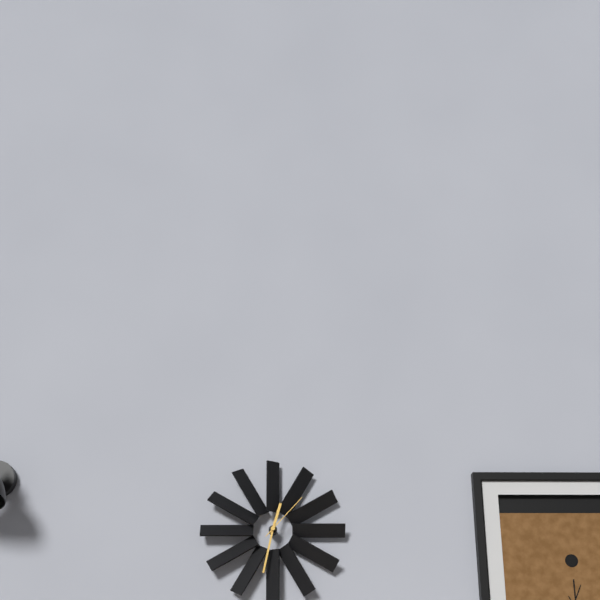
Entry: h=12 m=32 s=7
